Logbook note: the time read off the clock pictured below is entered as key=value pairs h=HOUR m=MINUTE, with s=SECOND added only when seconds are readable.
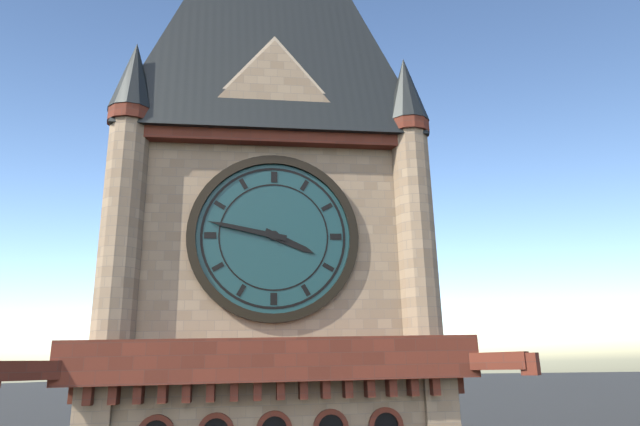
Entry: h=3 m=47
